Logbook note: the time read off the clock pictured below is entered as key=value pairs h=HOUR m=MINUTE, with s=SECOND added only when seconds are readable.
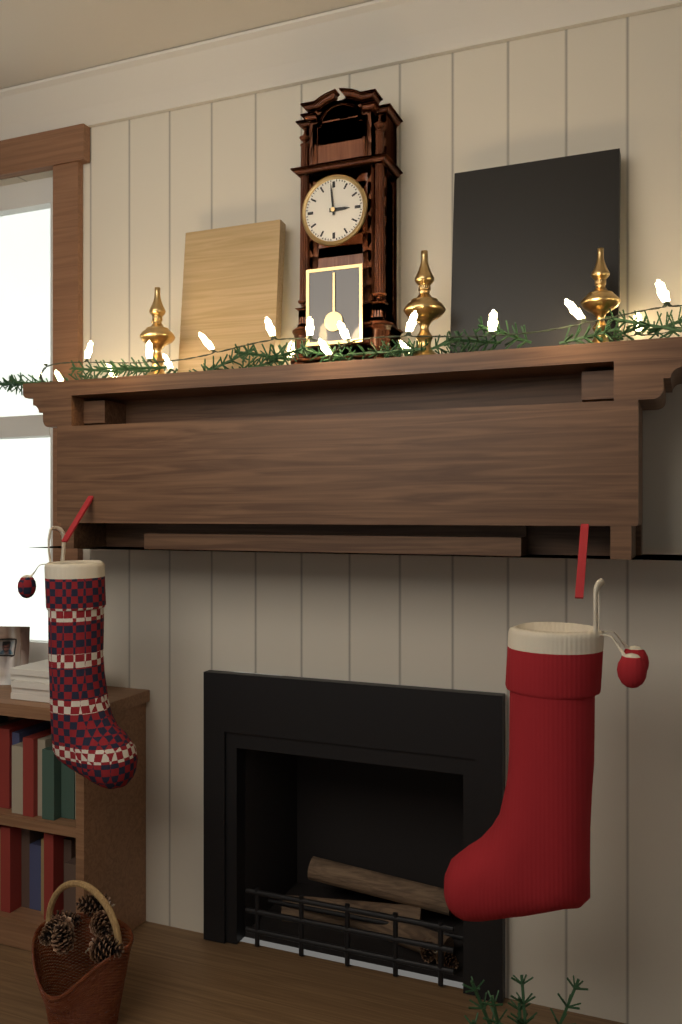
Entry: h=2 m=59
